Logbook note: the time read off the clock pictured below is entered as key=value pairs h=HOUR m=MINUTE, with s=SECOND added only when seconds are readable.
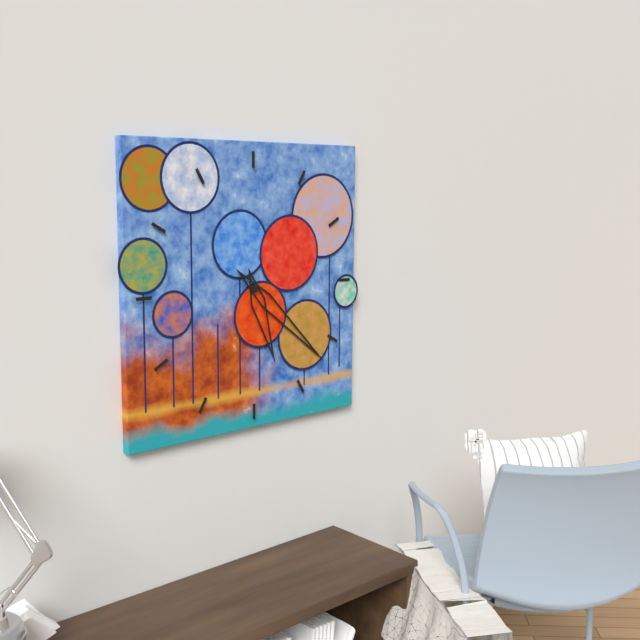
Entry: h=5 m=22
